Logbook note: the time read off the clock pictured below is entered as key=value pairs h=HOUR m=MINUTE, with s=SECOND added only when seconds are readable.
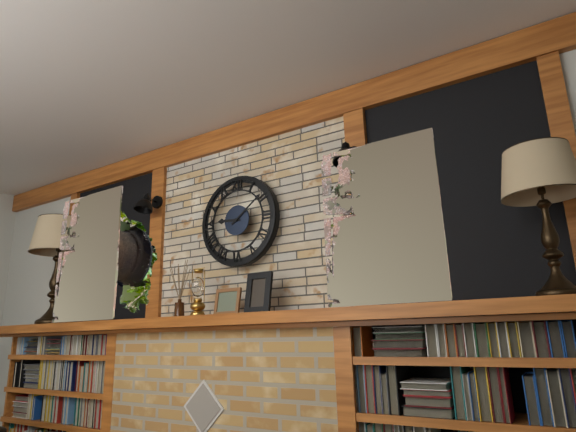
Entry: h=9 m=9
